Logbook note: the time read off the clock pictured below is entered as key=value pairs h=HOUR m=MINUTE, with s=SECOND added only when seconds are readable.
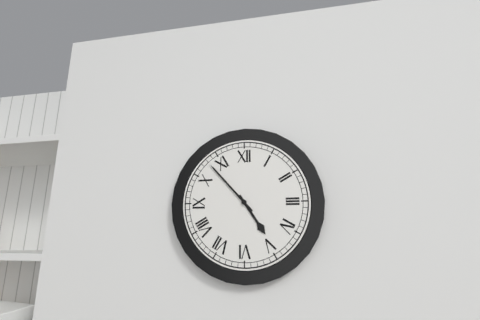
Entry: h=4 m=53
